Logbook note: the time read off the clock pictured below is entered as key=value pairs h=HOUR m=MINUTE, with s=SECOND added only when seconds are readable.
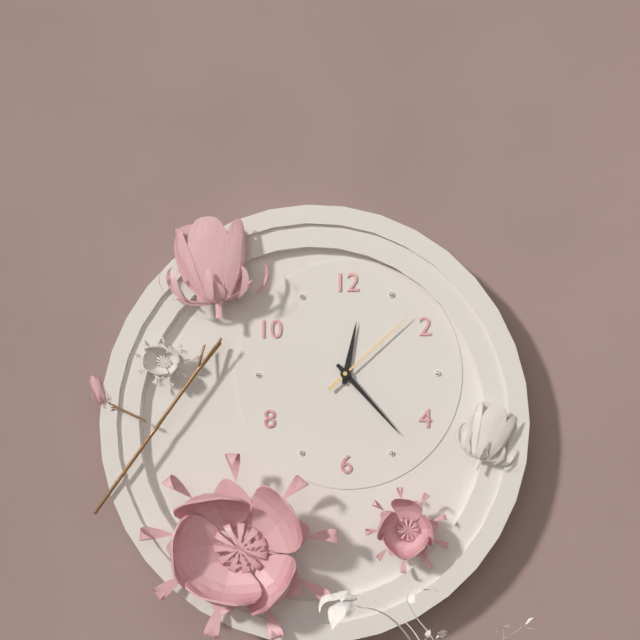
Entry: h=12 m=23 s=8
